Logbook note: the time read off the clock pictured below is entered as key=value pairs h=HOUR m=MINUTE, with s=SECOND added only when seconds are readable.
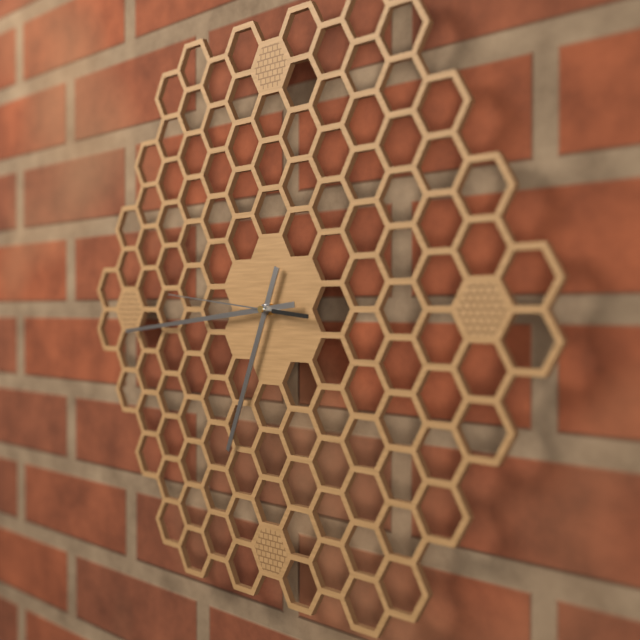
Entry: h=6 m=44 s=46
